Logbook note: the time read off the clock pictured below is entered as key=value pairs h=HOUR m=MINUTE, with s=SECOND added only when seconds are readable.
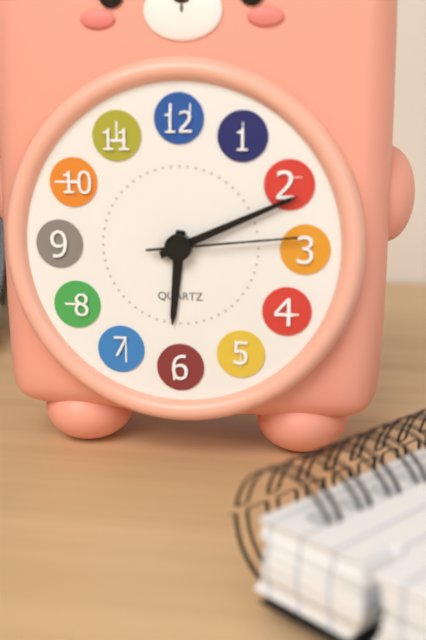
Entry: h=6 m=11 s=14
